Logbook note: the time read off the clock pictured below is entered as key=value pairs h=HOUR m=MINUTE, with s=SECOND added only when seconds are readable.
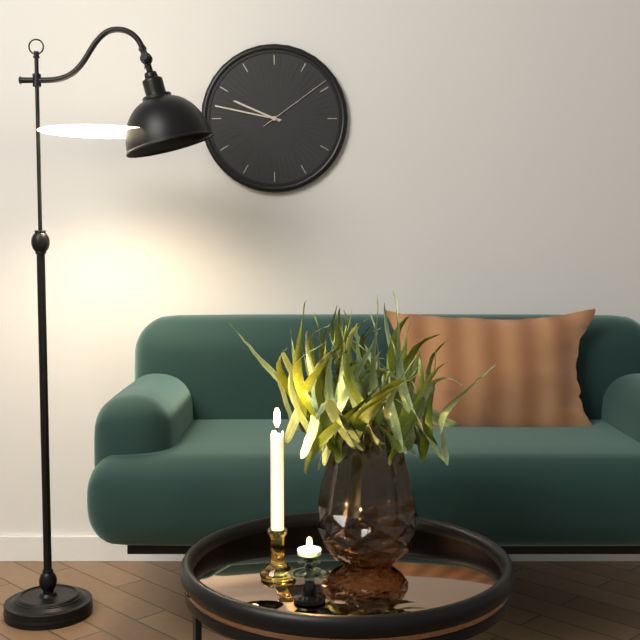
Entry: h=9 m=47 s=9
